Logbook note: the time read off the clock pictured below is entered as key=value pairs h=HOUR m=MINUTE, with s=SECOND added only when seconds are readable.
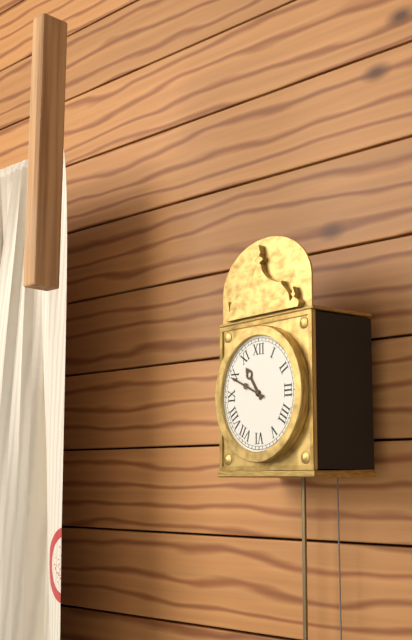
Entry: h=10 m=49
